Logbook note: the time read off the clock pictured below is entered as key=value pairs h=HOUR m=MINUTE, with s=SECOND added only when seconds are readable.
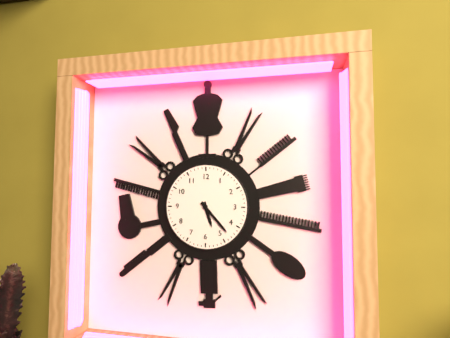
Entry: h=5 m=23
